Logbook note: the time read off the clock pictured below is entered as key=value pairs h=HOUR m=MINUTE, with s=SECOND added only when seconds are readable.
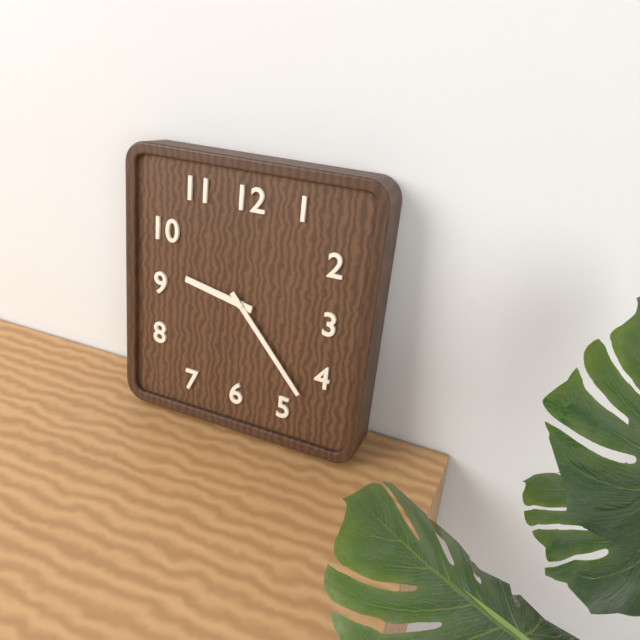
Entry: h=9 m=23
